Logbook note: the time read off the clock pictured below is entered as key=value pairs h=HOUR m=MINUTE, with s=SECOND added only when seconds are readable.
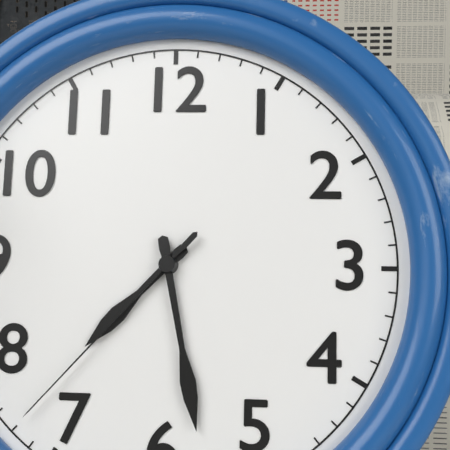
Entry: h=7 m=28 s=37
